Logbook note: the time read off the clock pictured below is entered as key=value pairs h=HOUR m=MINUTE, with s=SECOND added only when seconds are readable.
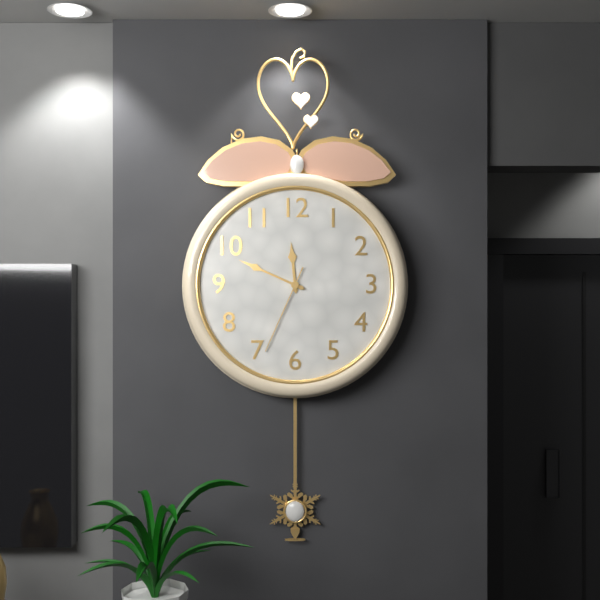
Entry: h=11 m=49 s=34
